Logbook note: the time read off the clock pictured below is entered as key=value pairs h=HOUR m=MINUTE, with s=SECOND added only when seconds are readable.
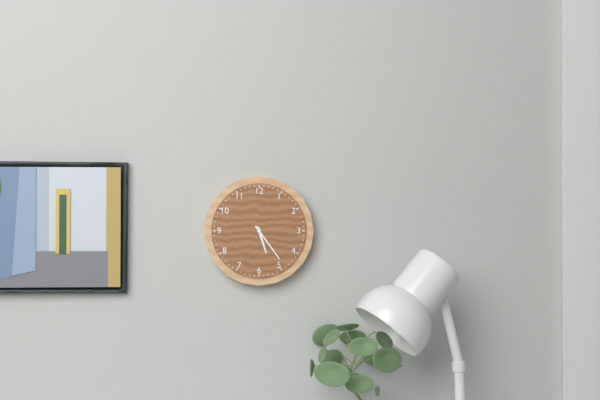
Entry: h=5 m=24
